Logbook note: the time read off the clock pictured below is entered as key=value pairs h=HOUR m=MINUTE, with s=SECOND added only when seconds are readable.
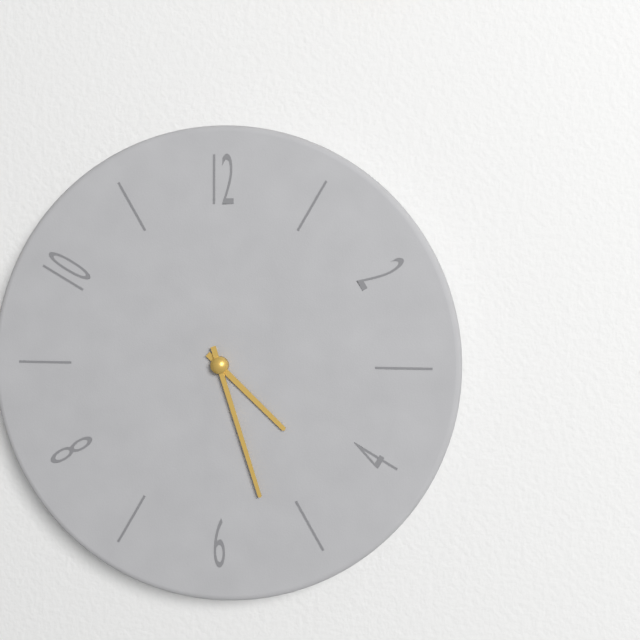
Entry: h=4 m=27
